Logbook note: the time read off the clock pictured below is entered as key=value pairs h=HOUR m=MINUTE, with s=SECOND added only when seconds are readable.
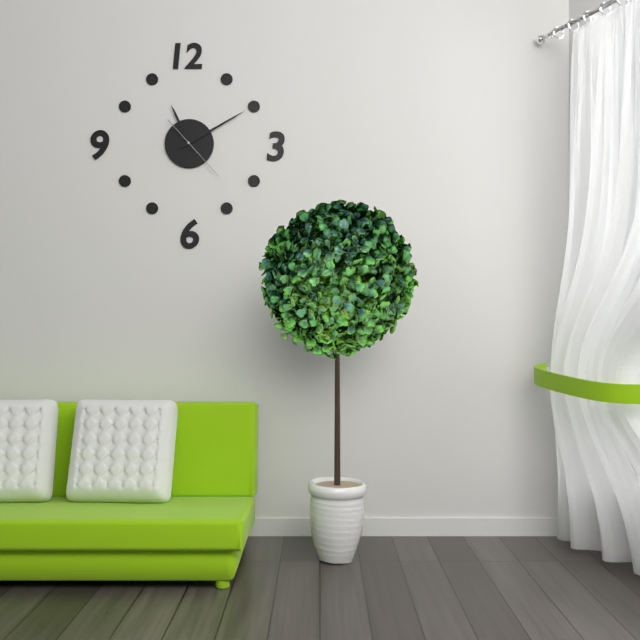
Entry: h=11 m=10 s=23
